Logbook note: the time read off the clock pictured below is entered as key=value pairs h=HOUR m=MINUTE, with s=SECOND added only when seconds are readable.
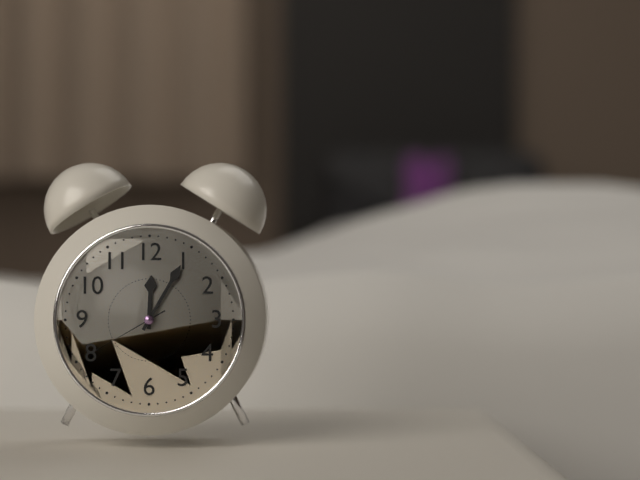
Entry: h=12 m=5 s=40
